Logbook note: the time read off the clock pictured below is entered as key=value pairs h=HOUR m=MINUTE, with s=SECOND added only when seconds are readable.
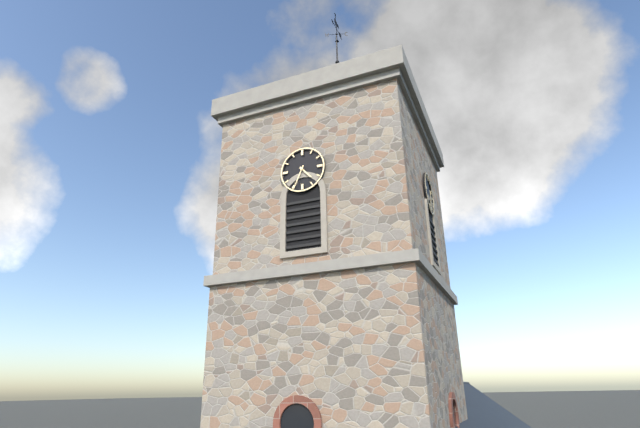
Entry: h=4 m=34
